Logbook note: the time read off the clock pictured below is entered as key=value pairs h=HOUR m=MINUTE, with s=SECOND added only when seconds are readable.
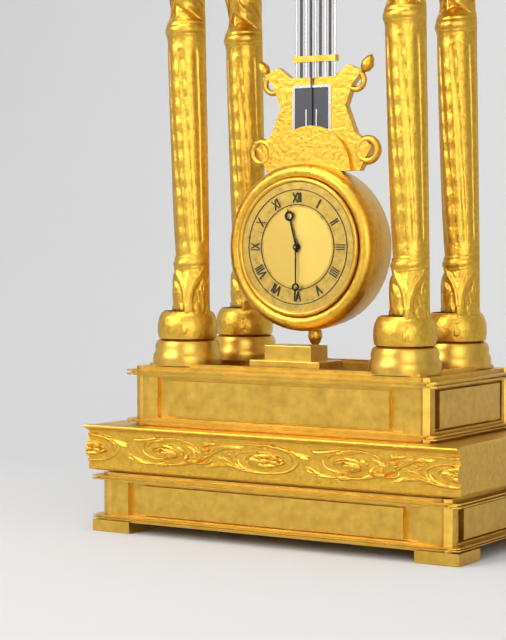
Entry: h=11 m=30
